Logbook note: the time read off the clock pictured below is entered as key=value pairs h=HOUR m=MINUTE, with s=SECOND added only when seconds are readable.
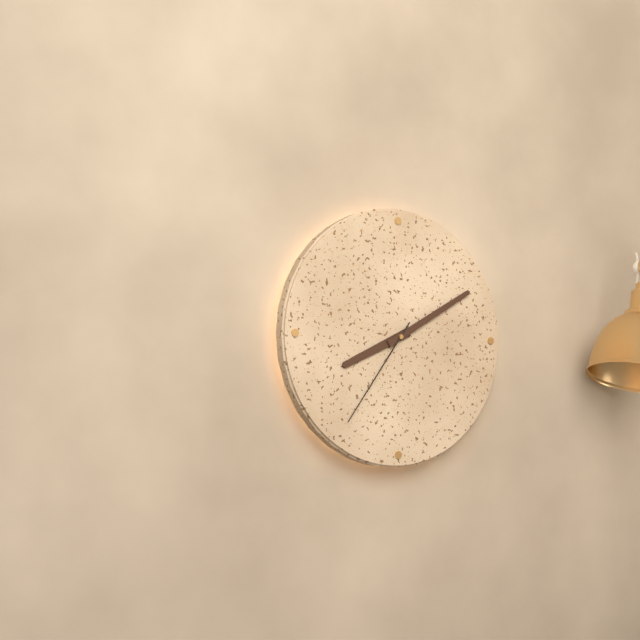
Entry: h=8 m=10 s=36
